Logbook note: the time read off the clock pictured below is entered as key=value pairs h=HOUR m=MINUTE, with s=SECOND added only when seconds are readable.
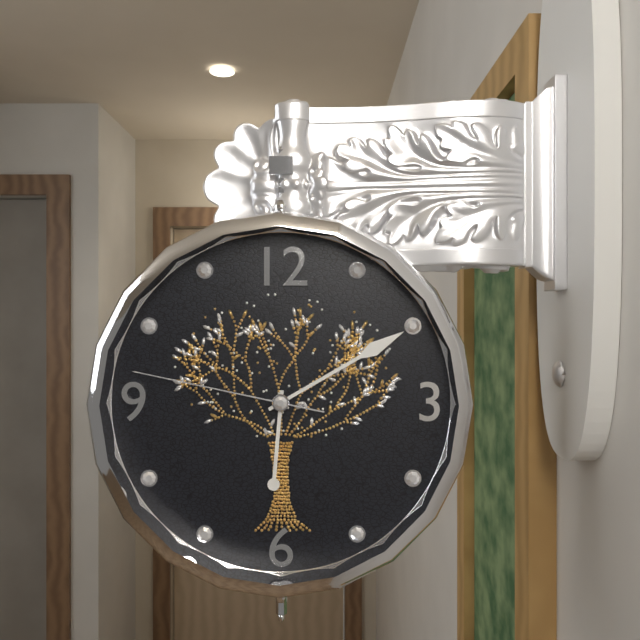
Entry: h=6 m=10 s=47
